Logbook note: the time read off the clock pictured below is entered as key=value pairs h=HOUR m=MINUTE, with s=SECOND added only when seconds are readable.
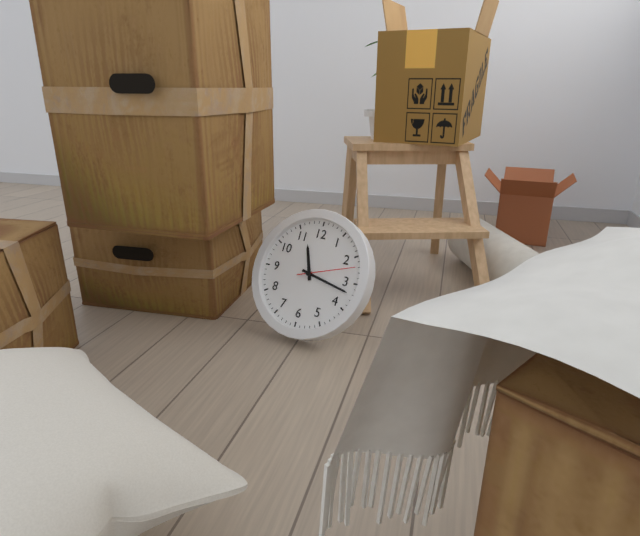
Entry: h=11 m=17 s=12
